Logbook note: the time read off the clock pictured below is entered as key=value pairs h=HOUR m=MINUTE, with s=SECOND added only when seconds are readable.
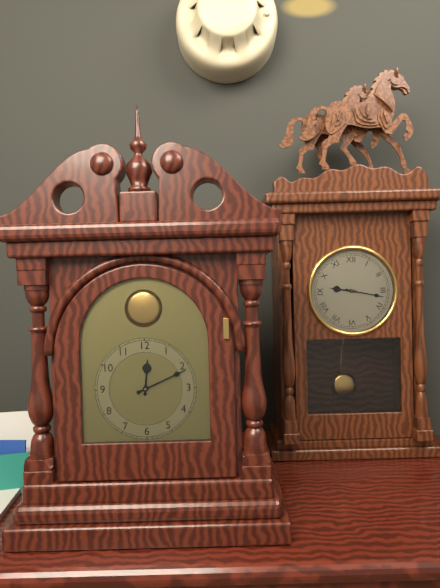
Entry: h=12 m=11
